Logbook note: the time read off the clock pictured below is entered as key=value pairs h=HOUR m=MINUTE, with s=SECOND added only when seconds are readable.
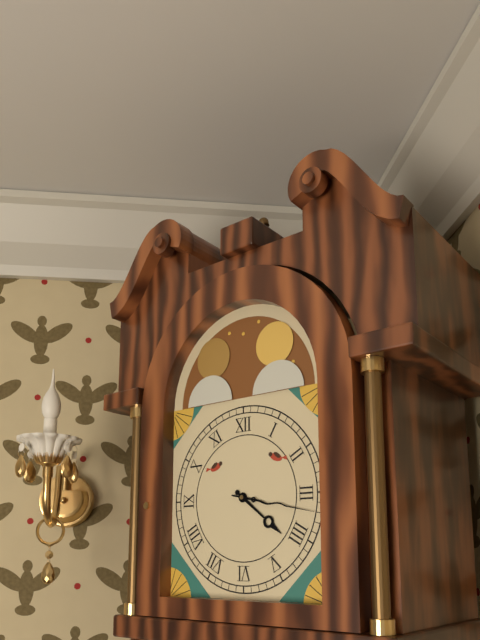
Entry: h=4 m=17
